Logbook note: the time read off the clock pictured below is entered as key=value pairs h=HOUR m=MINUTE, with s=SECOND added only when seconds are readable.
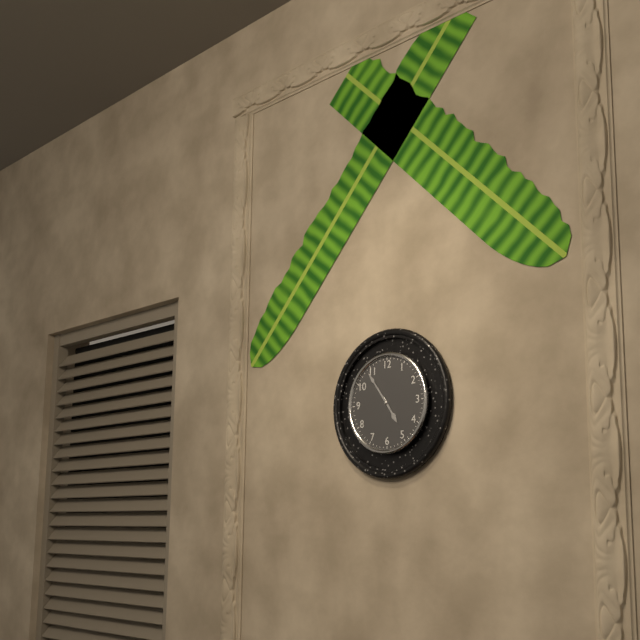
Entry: h=4 m=54
